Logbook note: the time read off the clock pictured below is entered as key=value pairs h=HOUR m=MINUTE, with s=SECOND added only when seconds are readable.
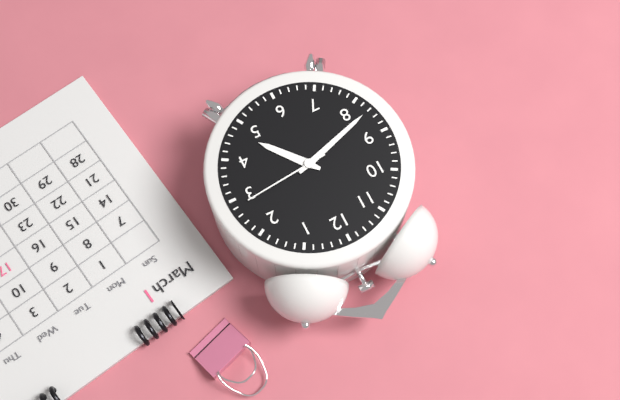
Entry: h=4 m=42 s=14
